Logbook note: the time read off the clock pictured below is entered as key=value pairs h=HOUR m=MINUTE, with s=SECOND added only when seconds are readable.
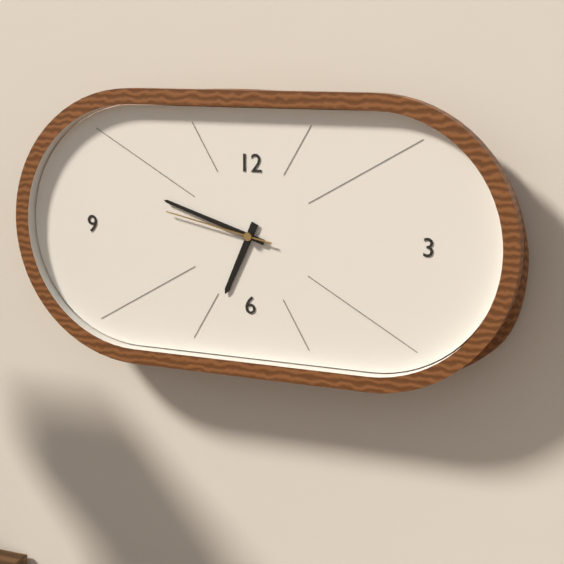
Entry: h=6 m=48 s=47
